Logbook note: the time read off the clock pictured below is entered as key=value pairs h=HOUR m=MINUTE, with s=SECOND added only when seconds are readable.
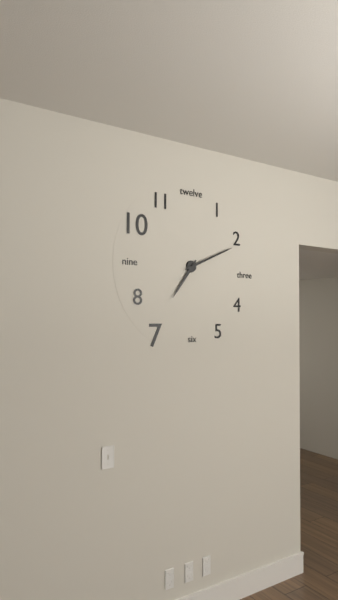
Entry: h=7 m=11
